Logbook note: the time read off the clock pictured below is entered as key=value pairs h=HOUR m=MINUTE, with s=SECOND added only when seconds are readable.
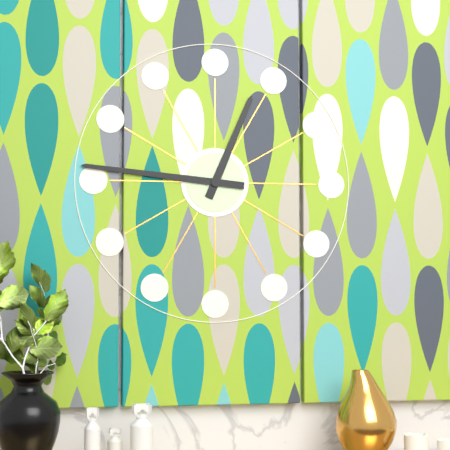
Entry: h=12 m=46
